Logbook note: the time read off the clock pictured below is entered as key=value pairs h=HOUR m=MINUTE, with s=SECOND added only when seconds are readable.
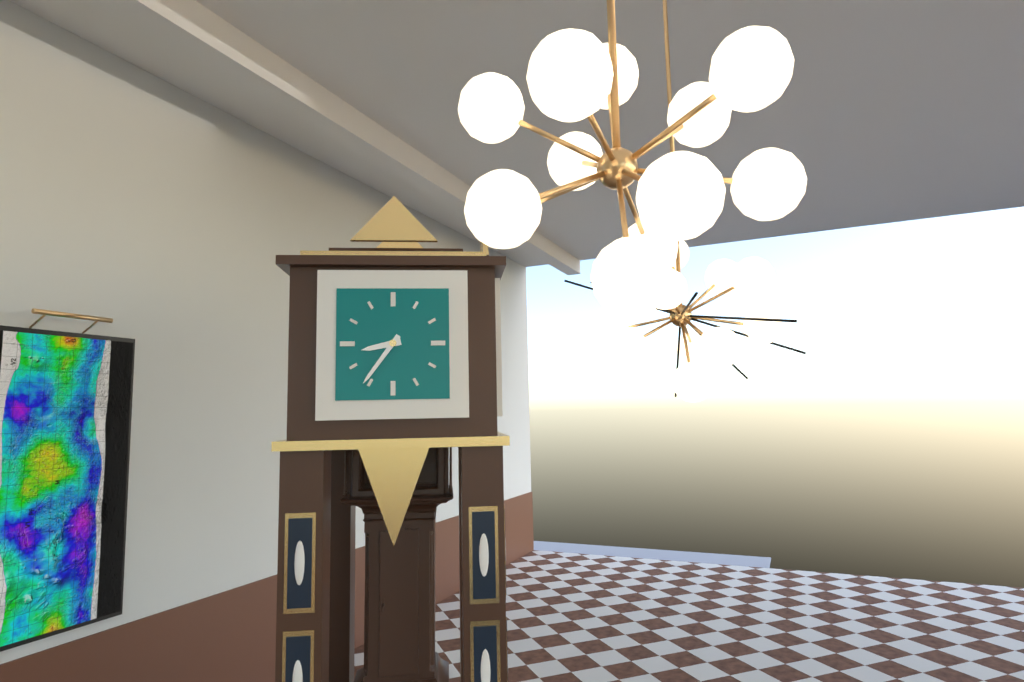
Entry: h=8 m=36
